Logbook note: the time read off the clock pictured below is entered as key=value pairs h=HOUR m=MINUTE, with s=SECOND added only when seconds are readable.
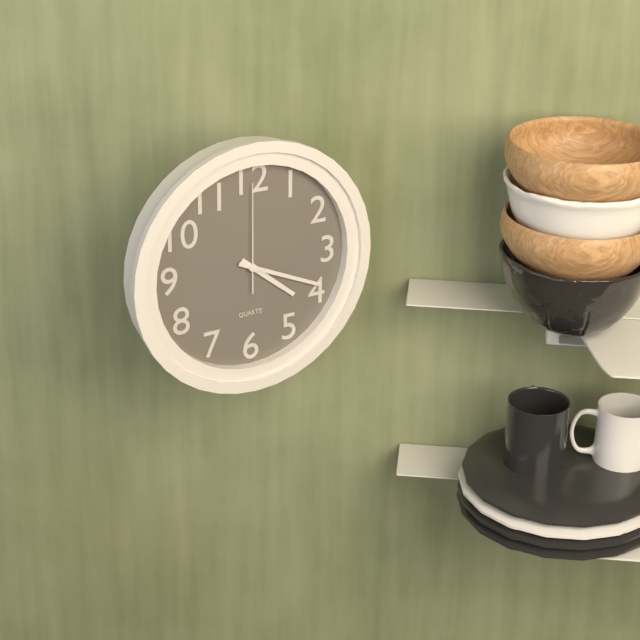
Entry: h=4 m=19 s=0
